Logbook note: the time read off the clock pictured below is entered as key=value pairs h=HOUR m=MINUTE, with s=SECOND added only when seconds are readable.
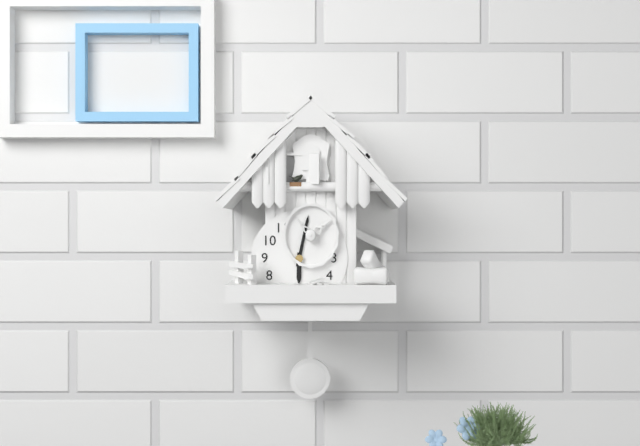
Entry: h=6 m=2
